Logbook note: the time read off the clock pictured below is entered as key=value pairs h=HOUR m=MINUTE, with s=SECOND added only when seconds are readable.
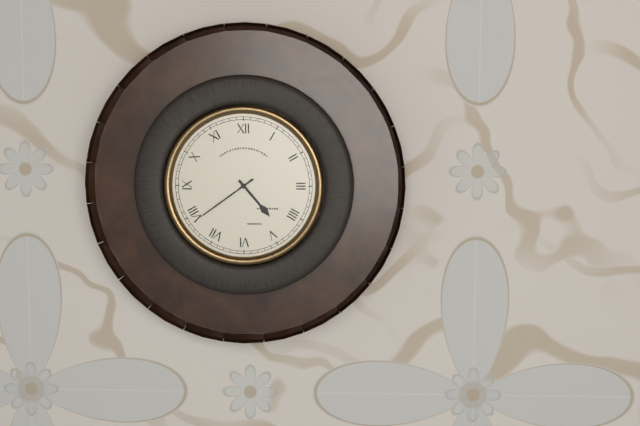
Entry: h=4 m=39
